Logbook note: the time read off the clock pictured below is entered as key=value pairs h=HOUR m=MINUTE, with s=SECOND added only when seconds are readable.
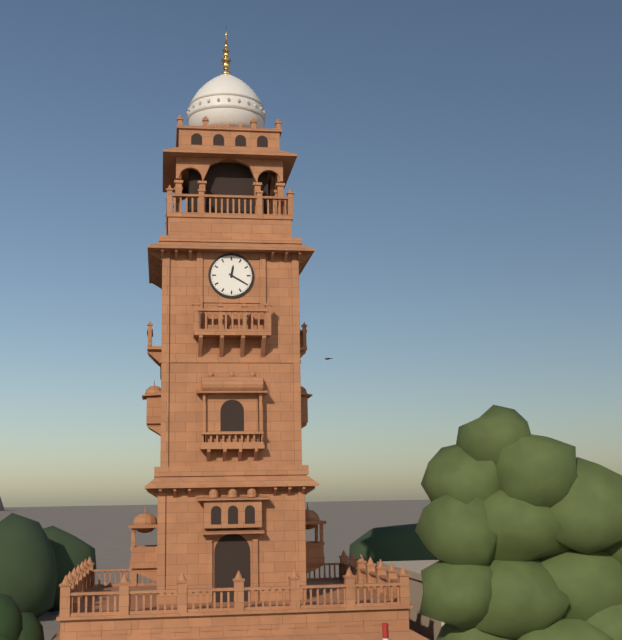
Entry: h=12 m=20
